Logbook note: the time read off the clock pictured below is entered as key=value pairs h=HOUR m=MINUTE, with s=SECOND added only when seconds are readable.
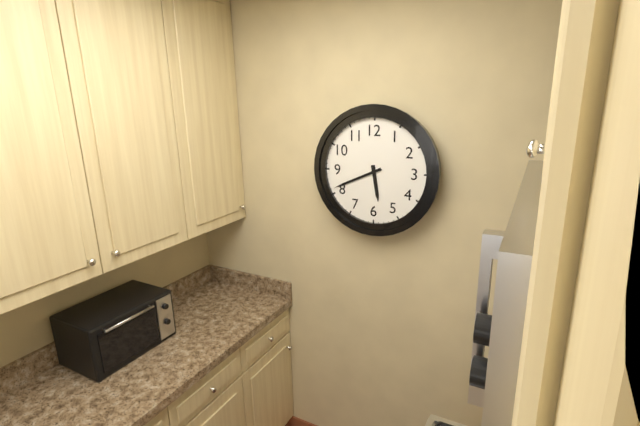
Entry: h=5 m=41
